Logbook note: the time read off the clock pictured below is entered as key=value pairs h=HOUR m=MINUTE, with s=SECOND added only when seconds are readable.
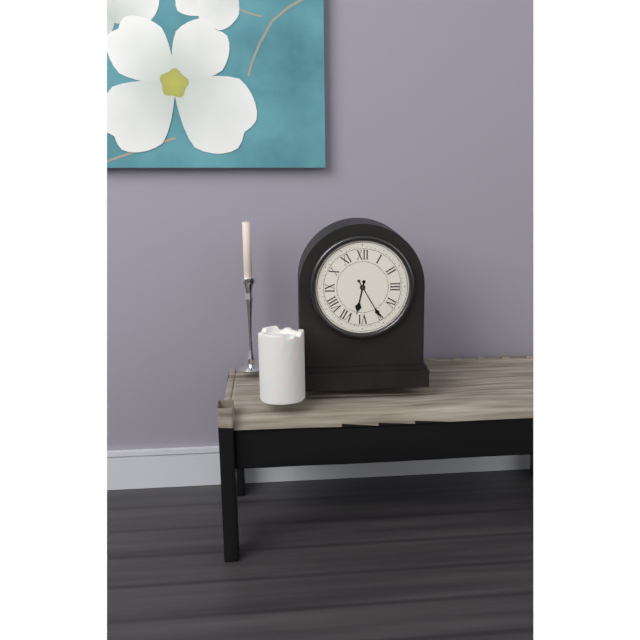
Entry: h=6 m=25
